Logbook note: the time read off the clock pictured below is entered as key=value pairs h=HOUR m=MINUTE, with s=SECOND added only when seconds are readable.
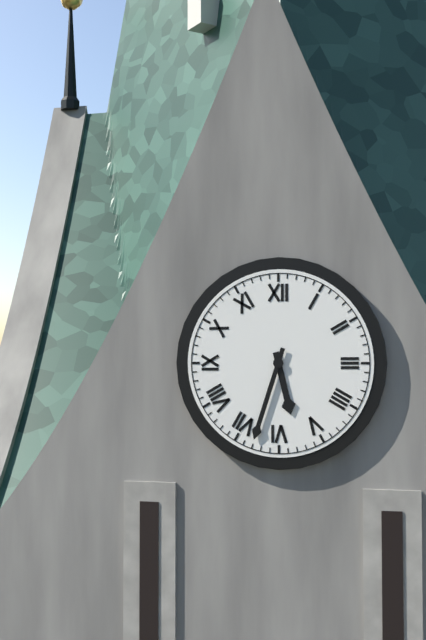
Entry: h=5 m=33
